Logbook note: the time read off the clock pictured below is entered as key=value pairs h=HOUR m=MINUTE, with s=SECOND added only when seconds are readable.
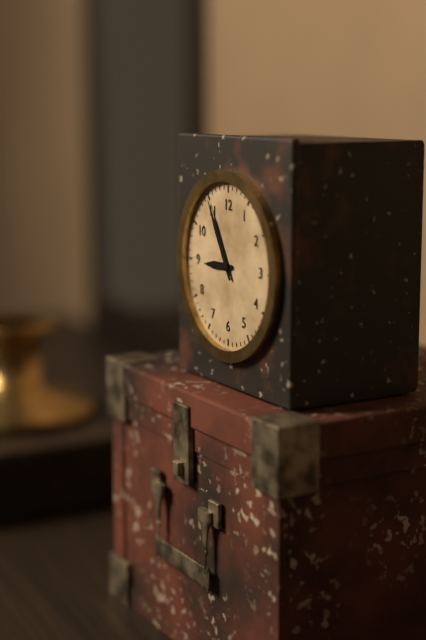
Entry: h=8 m=55
